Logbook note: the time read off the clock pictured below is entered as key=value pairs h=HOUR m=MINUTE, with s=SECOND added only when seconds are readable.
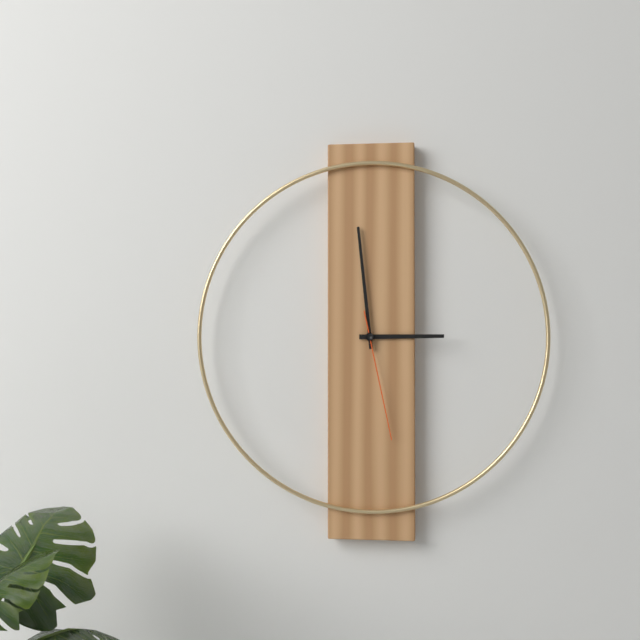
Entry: h=2 m=59 s=28
